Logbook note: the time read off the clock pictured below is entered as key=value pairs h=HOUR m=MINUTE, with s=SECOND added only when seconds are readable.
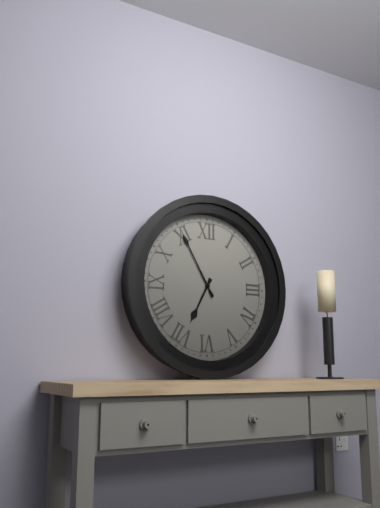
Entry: h=6 m=55
